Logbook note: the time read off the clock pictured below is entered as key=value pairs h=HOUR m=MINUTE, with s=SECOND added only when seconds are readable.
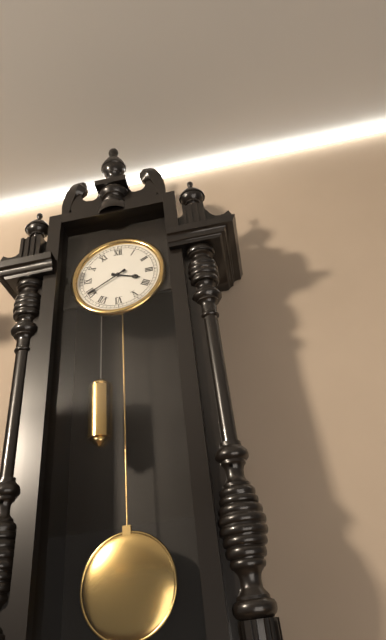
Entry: h=3 m=40
